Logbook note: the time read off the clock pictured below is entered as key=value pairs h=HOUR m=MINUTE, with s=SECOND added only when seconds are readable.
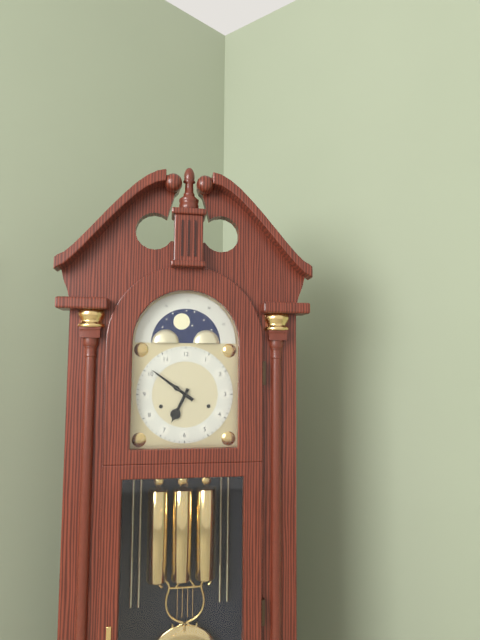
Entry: h=6 m=51
